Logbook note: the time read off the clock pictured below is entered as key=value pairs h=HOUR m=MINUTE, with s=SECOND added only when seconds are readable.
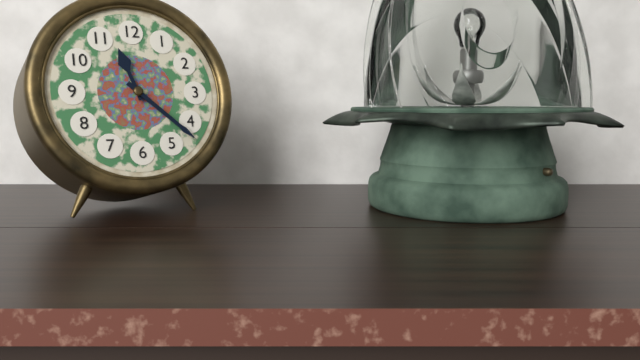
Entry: h=11 m=22
